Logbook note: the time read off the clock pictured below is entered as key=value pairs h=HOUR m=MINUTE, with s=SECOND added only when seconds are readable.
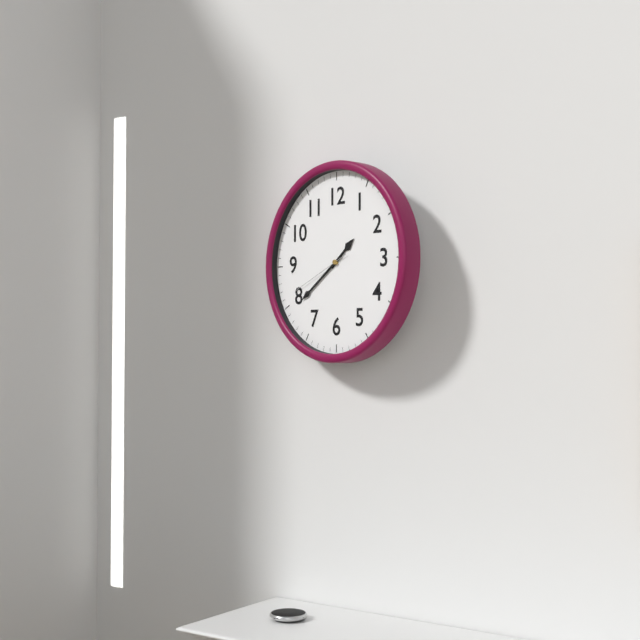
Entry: h=1 m=39 s=41
